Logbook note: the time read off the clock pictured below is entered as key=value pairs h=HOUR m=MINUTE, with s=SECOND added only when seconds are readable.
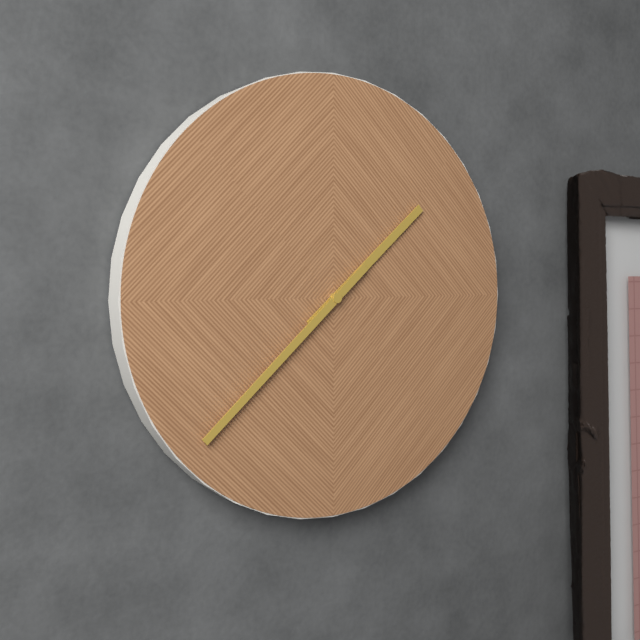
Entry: h=1 m=38
